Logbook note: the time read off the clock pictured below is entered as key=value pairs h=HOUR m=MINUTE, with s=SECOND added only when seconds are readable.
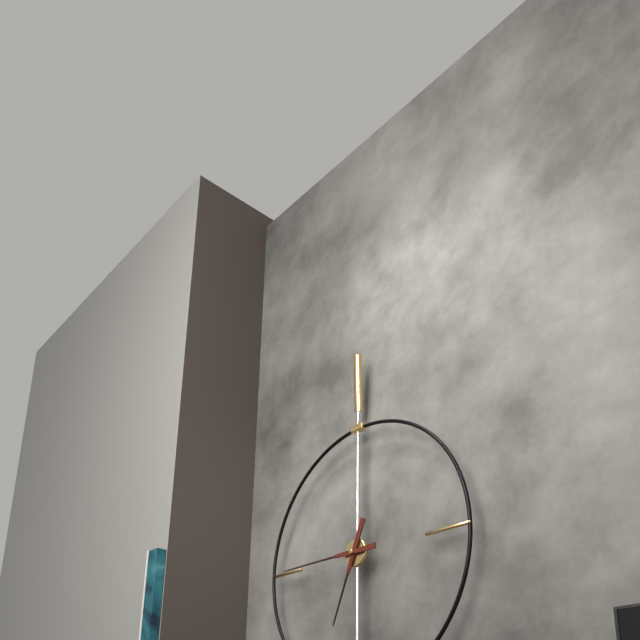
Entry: h=6 m=45
